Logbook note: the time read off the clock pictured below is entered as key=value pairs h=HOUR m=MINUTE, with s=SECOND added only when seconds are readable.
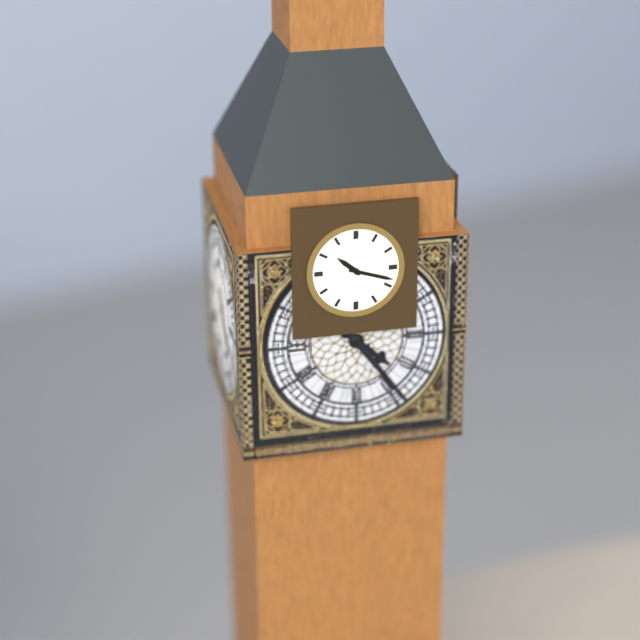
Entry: h=10 m=18
